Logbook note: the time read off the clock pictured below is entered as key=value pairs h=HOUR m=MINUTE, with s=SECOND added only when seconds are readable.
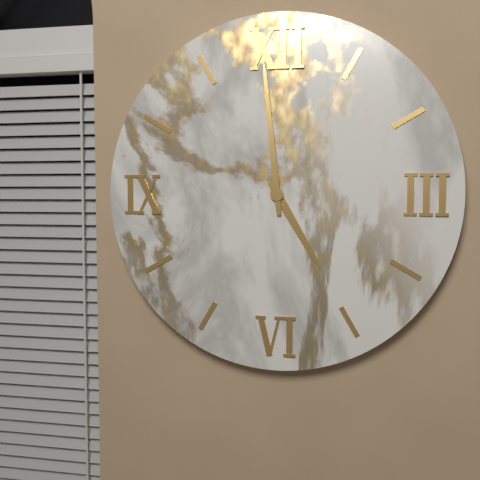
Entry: h=4 m=59
